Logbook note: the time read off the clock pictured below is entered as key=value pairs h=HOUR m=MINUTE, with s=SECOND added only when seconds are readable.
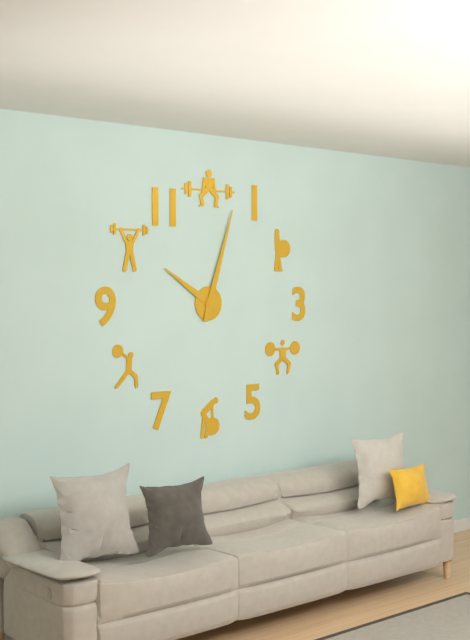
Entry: h=10 m=3
